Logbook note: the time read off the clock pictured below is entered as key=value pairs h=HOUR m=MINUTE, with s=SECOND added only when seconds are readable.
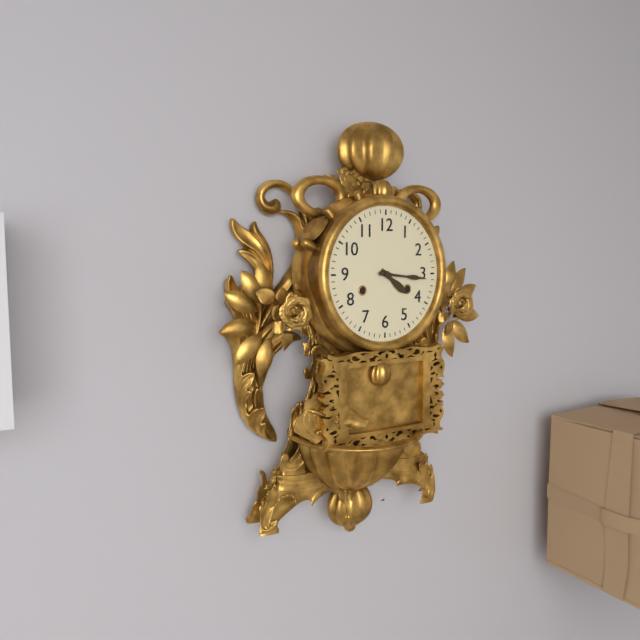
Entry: h=4 m=16
